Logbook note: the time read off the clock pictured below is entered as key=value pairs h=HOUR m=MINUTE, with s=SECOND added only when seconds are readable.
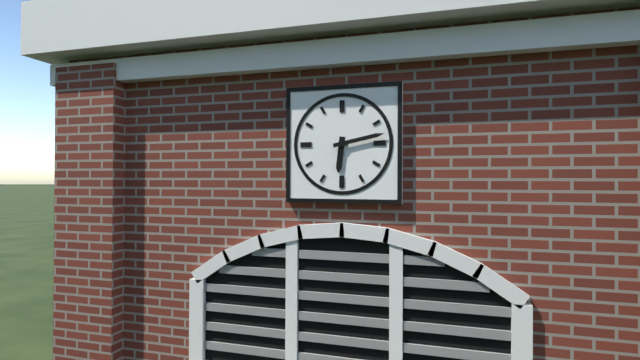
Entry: h=6 m=13
